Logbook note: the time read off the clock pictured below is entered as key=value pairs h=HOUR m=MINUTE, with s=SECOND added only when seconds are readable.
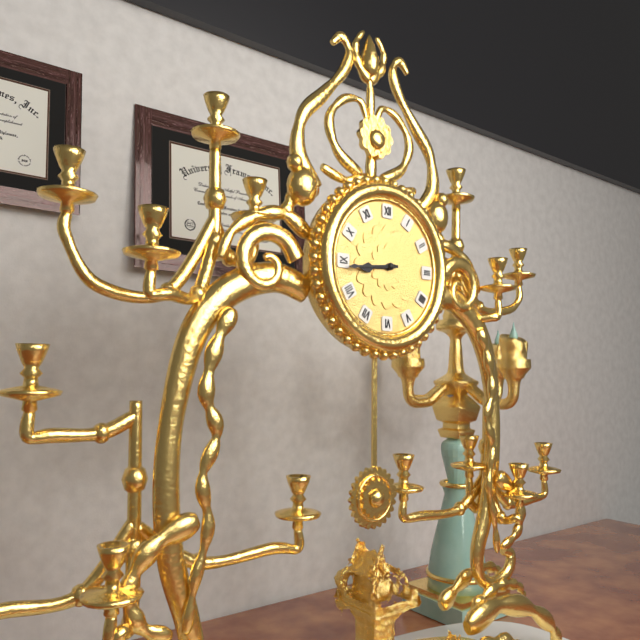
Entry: h=8 m=44
